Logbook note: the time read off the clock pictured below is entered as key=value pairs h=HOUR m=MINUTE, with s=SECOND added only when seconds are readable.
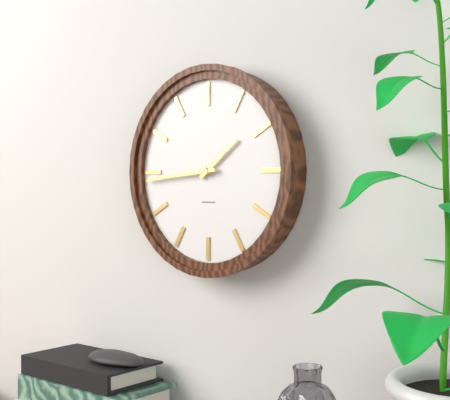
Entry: h=1 m=44
